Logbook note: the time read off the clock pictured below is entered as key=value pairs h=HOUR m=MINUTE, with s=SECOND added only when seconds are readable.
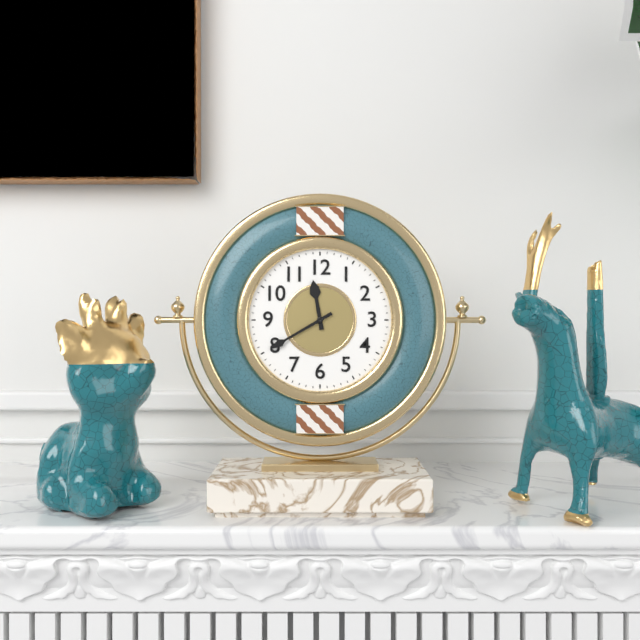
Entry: h=11 m=40
